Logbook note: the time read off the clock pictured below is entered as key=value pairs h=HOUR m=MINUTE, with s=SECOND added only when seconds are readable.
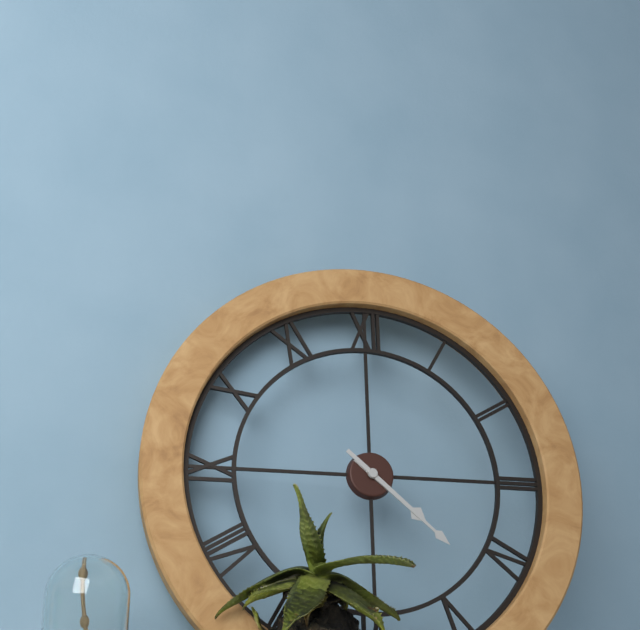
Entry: h=4 m=22
